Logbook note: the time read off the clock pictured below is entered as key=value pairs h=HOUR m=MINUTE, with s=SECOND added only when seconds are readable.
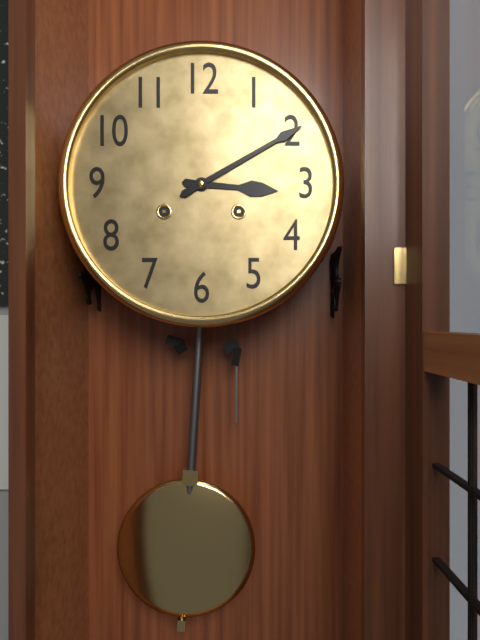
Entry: h=3 m=10
